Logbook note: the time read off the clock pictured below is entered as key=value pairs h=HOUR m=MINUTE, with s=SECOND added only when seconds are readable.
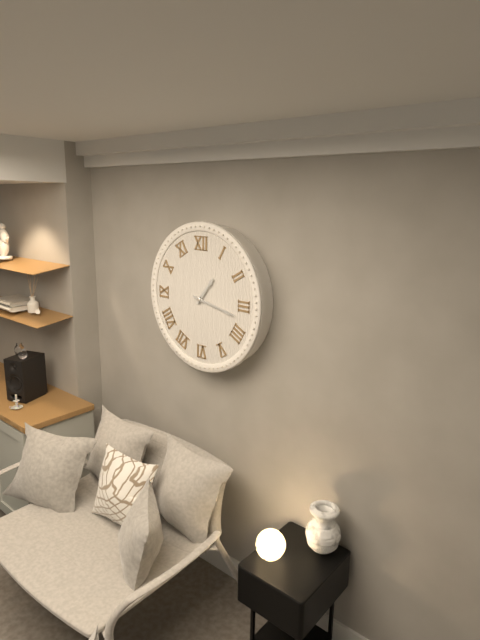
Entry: h=1 m=17
